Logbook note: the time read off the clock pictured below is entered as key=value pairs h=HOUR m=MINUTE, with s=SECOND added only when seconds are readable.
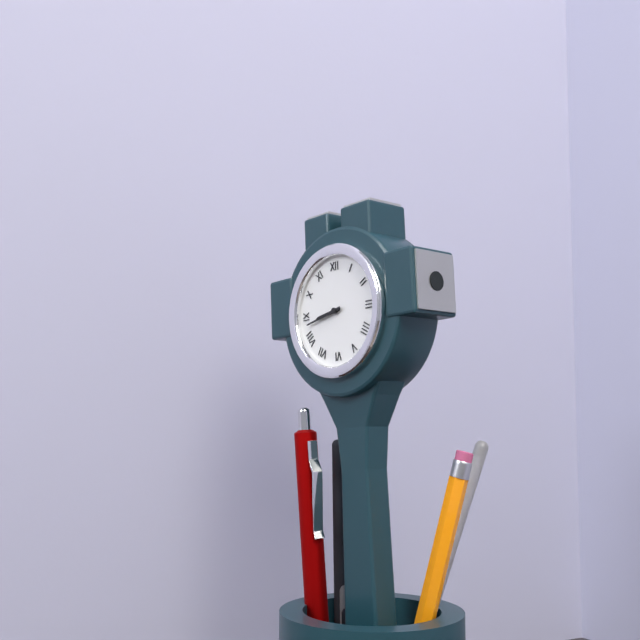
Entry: h=8 m=43
